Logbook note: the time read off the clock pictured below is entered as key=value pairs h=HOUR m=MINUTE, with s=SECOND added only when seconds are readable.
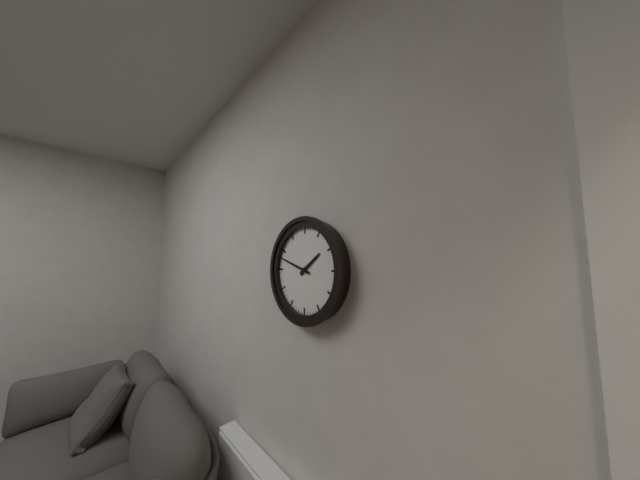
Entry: h=1 m=48
